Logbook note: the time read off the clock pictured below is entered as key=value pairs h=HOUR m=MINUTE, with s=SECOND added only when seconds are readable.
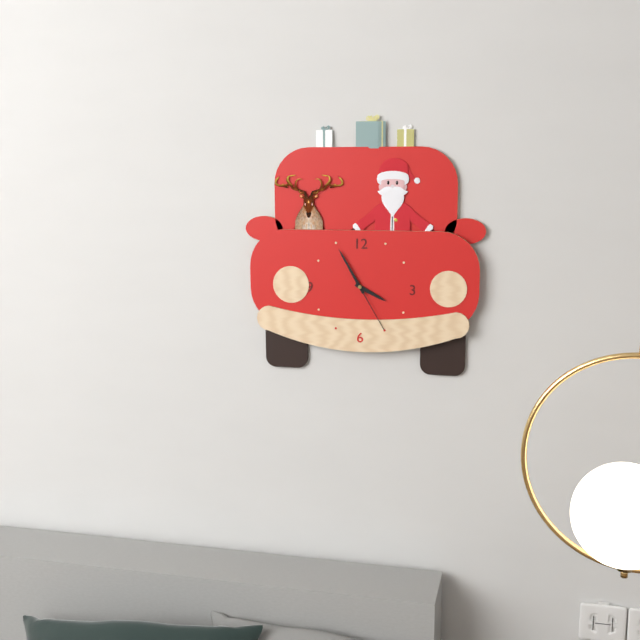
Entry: h=3 m=55 s=25
